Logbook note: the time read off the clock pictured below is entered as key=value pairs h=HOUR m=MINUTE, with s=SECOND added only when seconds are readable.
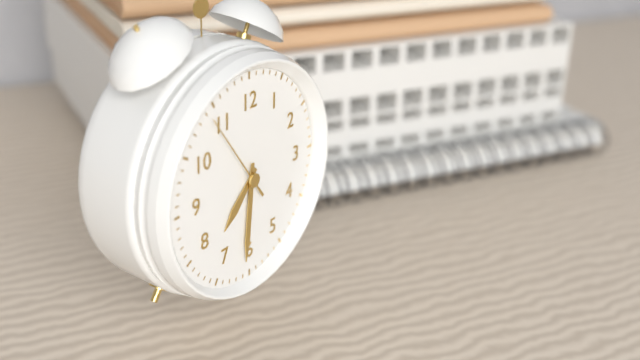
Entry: h=7 m=31 s=54
